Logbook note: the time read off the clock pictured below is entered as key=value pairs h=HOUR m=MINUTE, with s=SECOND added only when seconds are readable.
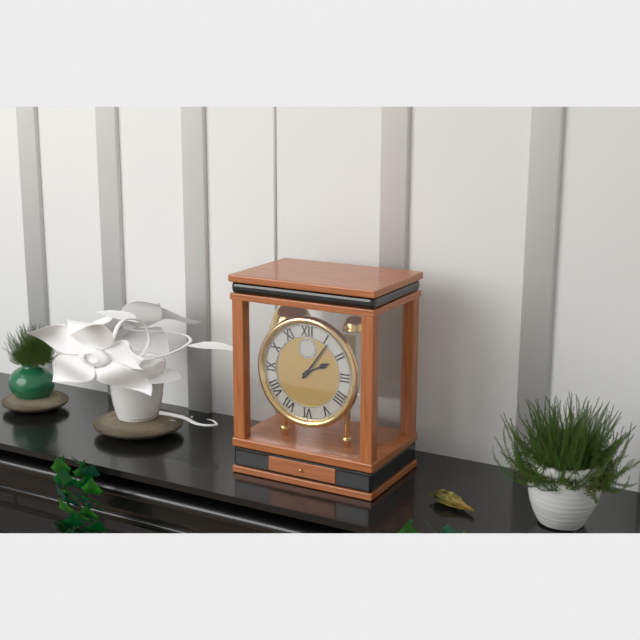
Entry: h=2 m=6
